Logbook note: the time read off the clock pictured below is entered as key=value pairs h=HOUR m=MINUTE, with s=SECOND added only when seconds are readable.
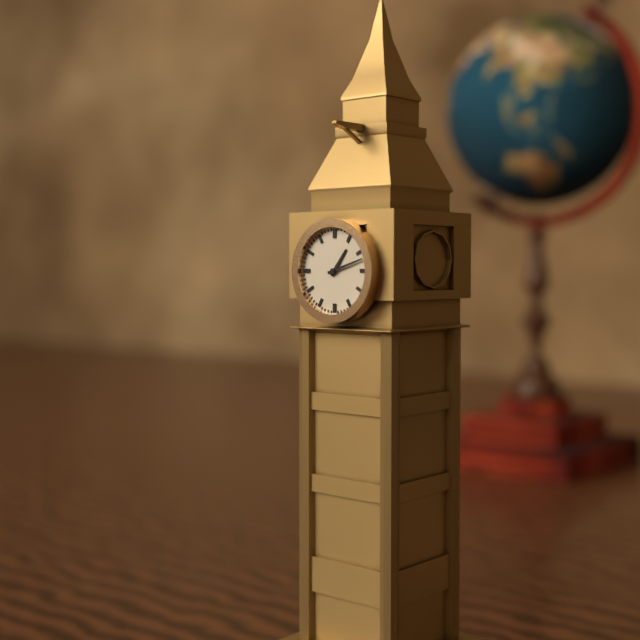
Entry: h=1 m=12
